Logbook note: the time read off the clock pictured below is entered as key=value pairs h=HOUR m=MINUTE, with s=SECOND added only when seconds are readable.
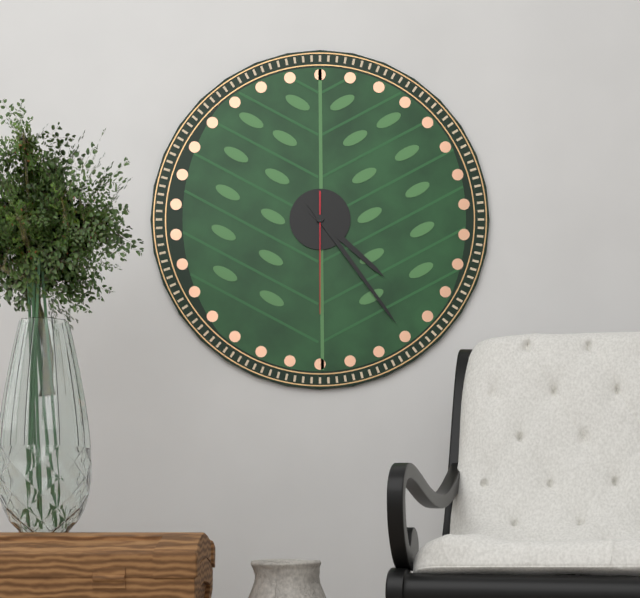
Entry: h=4 m=24 s=30
